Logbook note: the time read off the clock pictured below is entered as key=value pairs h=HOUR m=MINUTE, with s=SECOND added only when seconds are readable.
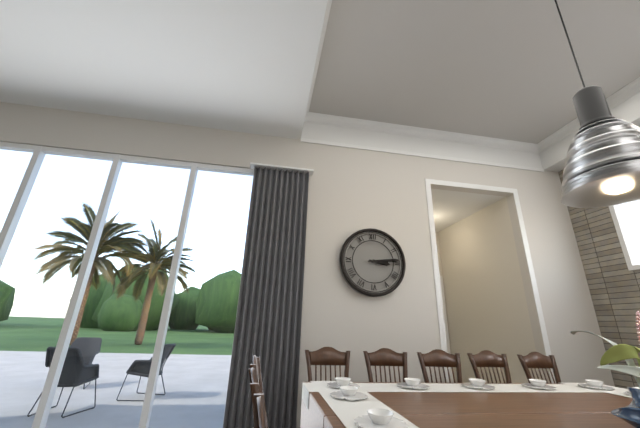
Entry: h=3 m=14
